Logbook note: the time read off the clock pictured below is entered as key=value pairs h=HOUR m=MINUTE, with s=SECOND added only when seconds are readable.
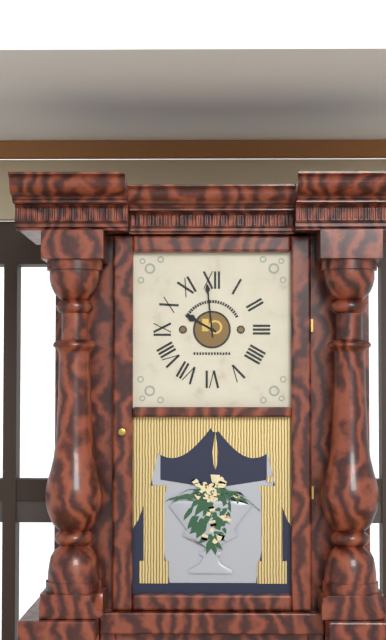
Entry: h=9 m=59
